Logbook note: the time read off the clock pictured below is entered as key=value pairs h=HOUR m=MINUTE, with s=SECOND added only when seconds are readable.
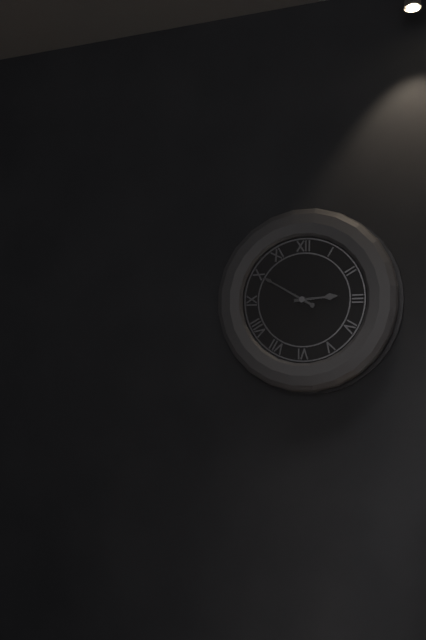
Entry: h=2 m=50
